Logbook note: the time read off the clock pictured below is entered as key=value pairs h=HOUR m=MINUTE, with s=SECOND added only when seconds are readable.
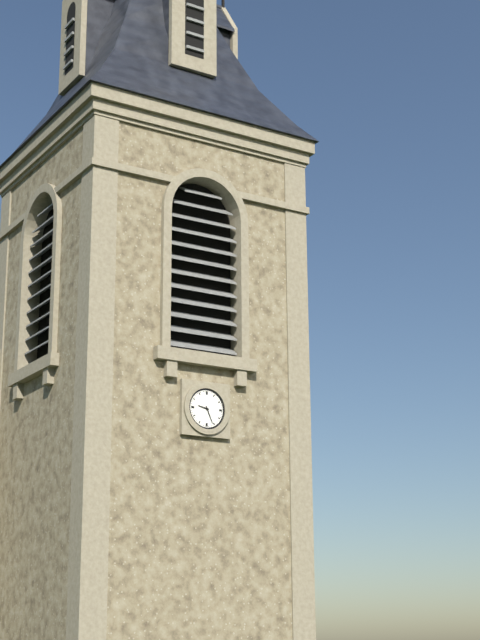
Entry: h=9 m=26
